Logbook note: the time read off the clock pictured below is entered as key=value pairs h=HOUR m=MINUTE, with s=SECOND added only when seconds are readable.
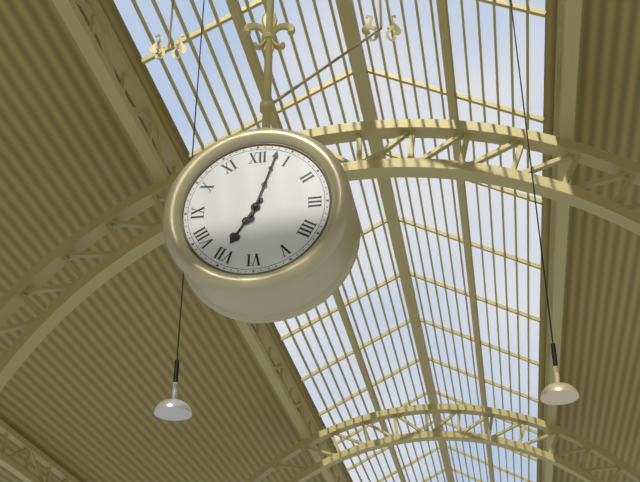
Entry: h=7 m=3
